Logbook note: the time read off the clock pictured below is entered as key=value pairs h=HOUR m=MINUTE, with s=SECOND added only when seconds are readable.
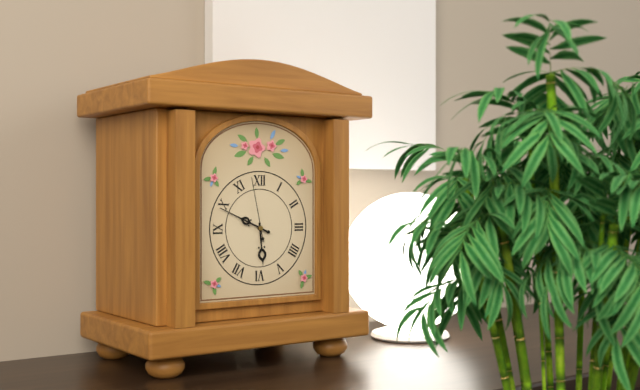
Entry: h=5 m=49 s=58
